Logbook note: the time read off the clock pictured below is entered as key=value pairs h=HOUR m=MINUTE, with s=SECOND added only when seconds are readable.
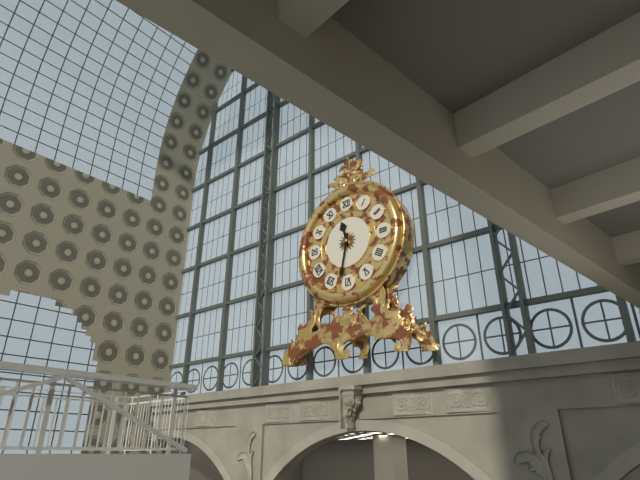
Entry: h=11 m=32
